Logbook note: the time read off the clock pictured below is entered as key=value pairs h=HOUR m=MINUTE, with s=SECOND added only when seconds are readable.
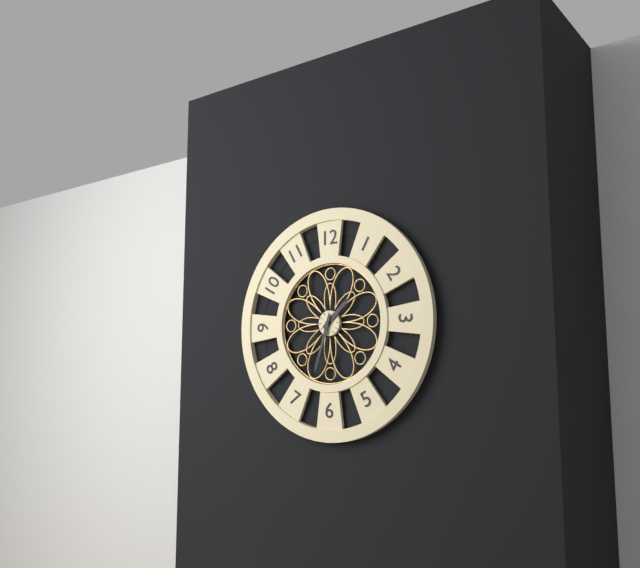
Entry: h=1 m=33
